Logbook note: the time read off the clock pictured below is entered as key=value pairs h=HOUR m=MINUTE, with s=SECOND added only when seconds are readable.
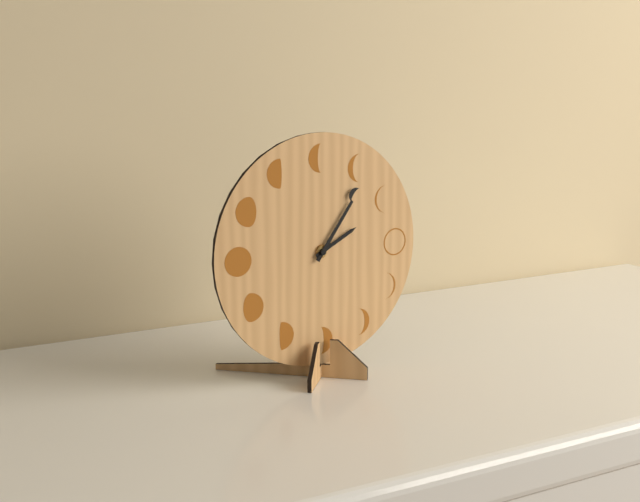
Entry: h=2 m=6
